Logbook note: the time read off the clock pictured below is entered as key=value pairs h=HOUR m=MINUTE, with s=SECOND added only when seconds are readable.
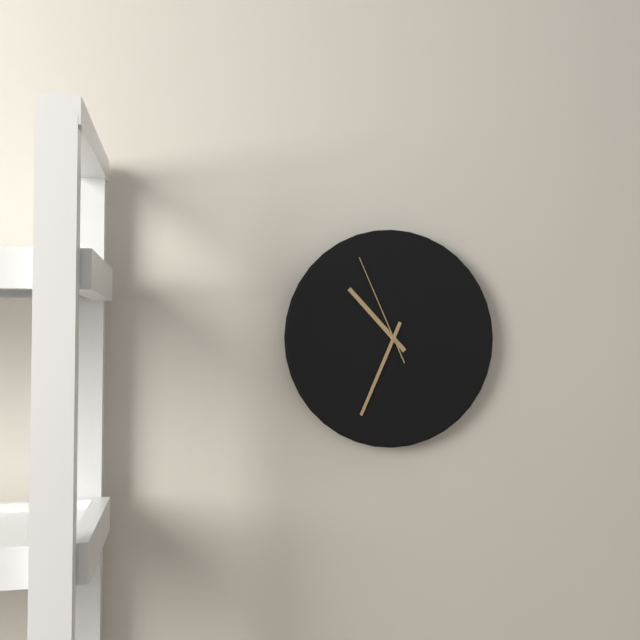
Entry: h=10 m=34 s=56
